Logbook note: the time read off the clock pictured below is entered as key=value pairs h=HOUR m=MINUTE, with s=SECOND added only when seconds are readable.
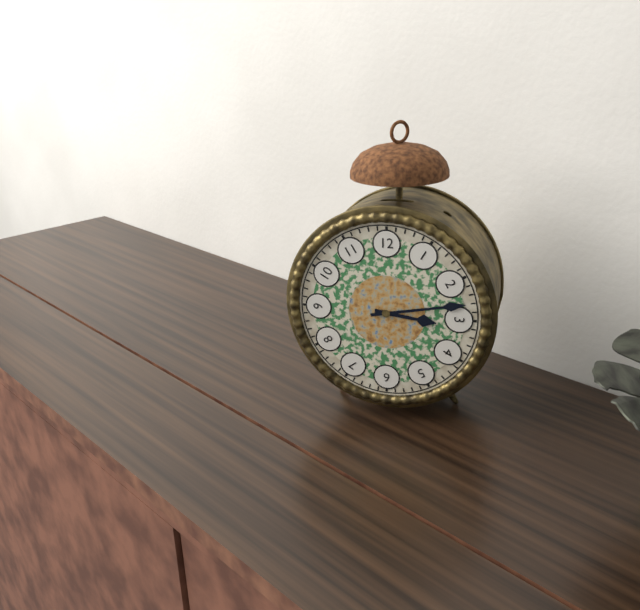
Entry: h=3 m=13
